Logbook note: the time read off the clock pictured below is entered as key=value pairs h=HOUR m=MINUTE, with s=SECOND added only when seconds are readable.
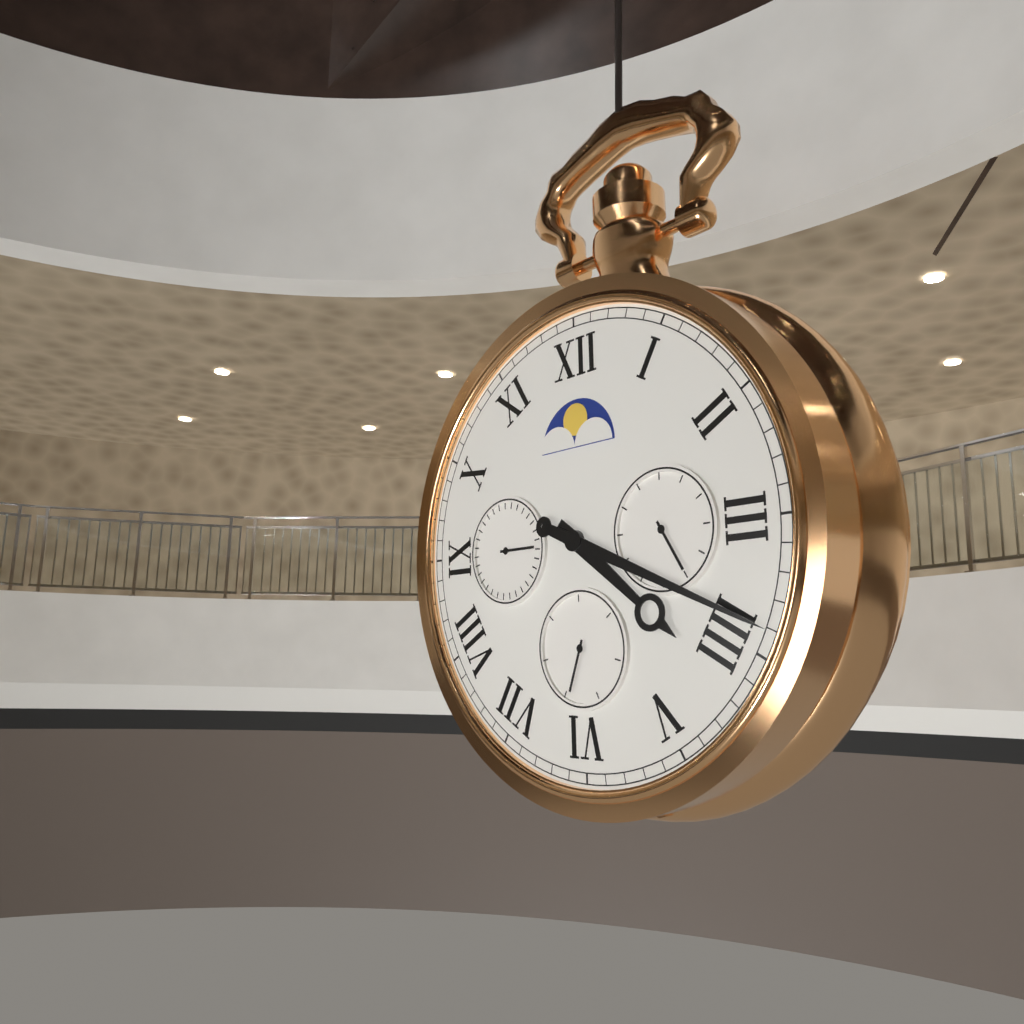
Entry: h=4 m=19
